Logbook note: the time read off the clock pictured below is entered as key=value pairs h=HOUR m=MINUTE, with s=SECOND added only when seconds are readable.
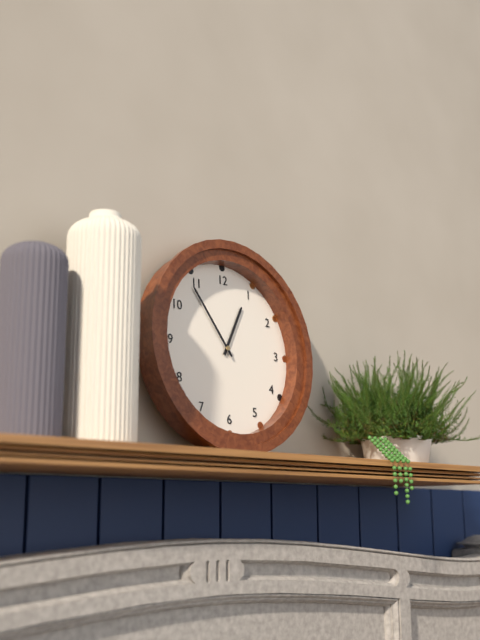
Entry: h=12 m=54
